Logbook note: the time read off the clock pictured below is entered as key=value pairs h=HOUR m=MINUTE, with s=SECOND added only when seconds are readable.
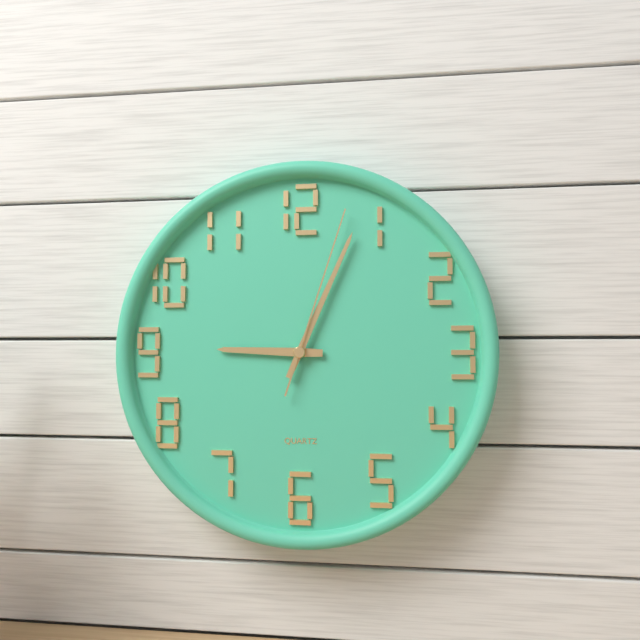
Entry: h=9 m=4 s=3
